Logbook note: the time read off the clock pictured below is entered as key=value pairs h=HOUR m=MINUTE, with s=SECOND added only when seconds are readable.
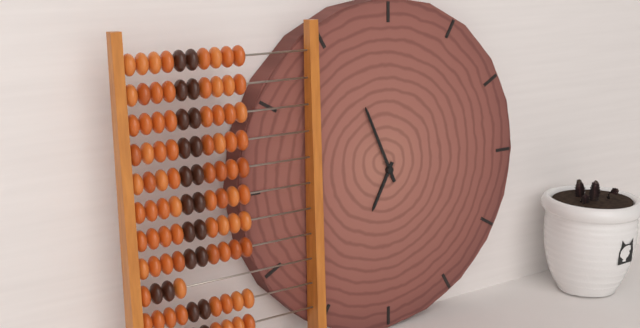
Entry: h=6 m=56
